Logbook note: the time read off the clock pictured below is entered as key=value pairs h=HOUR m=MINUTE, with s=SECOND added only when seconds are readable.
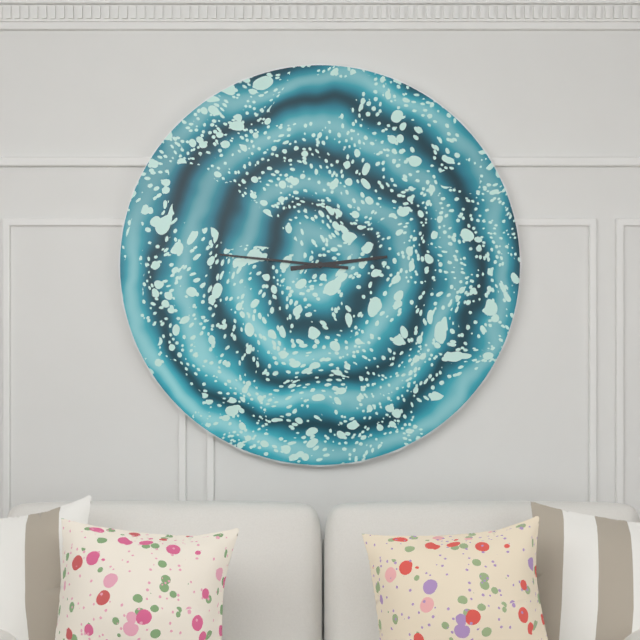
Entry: h=2 m=46
